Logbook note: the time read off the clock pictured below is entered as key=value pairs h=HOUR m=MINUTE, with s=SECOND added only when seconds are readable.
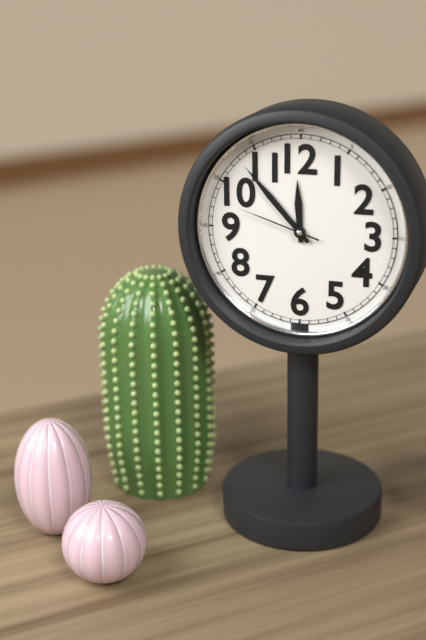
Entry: h=11 m=53 s=48
